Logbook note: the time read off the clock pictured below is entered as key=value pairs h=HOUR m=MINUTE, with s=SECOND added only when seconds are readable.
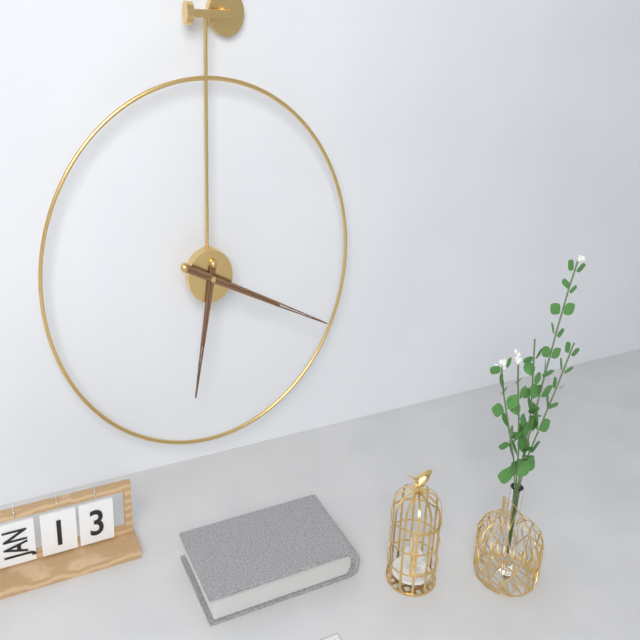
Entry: h=6 m=19
